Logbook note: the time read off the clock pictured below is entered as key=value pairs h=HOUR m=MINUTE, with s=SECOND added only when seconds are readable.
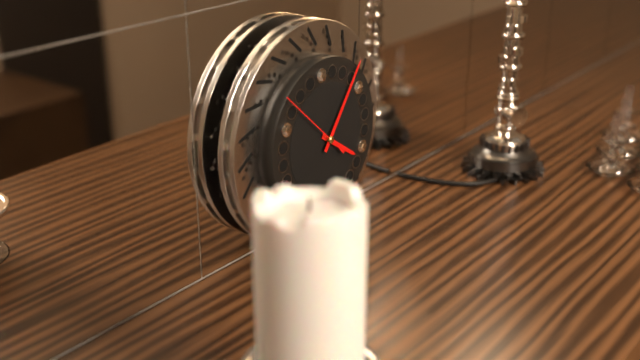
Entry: h=4 m=6 s=52
